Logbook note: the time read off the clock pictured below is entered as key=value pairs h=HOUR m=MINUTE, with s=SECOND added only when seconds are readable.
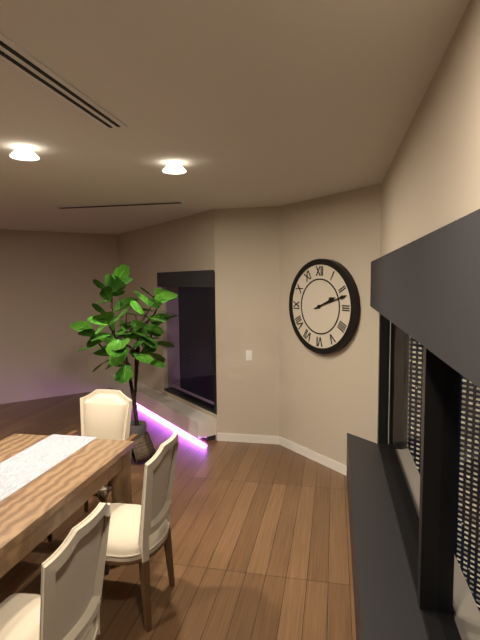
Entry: h=2 m=12
